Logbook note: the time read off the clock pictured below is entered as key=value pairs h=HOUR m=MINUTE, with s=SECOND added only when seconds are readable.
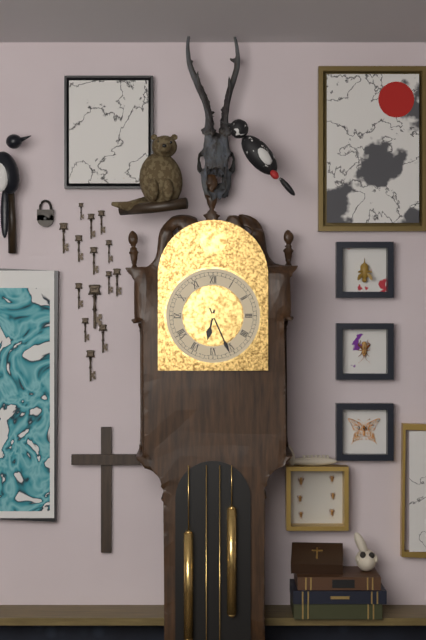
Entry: h=6 m=26
